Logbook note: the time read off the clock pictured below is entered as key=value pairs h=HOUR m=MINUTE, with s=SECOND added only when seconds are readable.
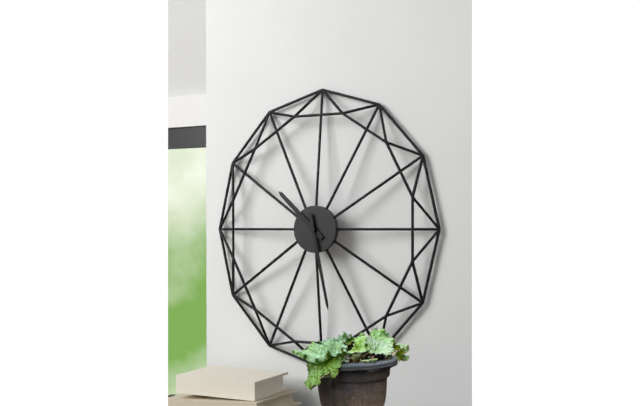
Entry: h=10 m=28
